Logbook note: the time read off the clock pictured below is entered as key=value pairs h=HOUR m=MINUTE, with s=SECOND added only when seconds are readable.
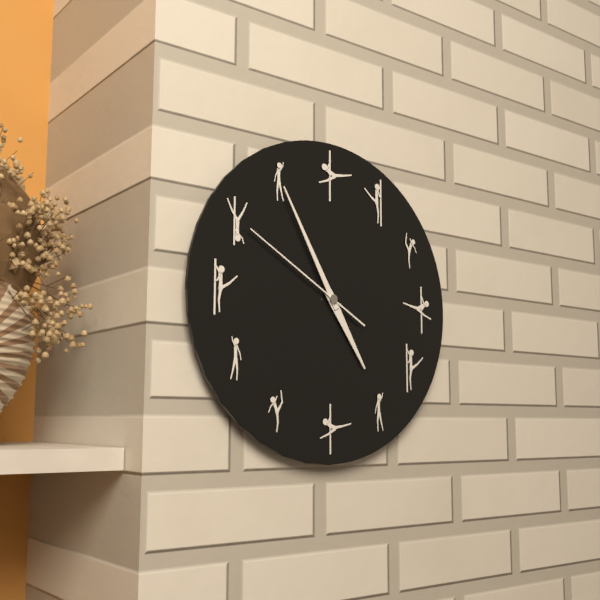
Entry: h=4 m=55 s=50
